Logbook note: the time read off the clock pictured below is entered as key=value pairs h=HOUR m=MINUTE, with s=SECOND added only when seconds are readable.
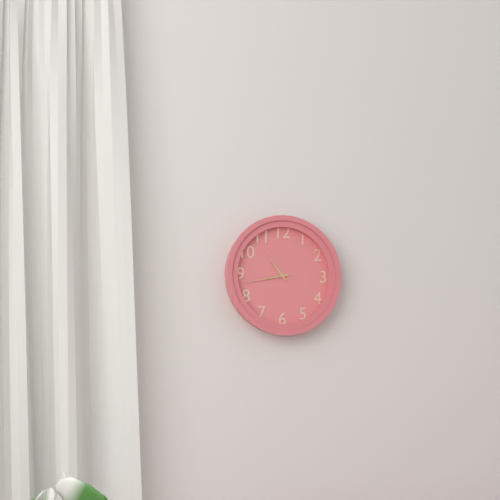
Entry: h=10 m=43
